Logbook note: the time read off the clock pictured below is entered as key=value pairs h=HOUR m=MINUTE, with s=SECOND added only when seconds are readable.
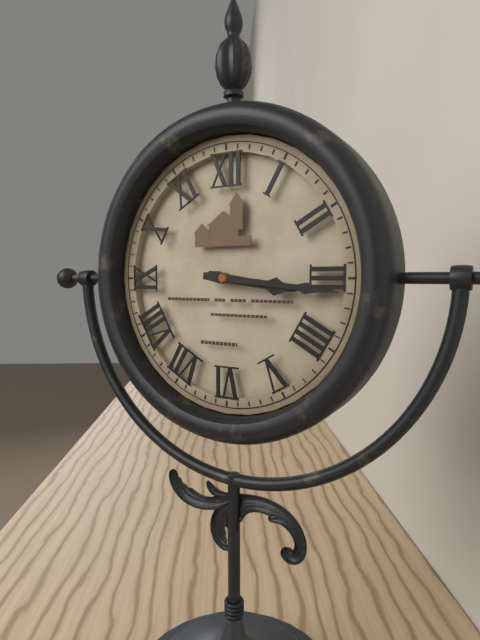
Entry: h=3 m=16
